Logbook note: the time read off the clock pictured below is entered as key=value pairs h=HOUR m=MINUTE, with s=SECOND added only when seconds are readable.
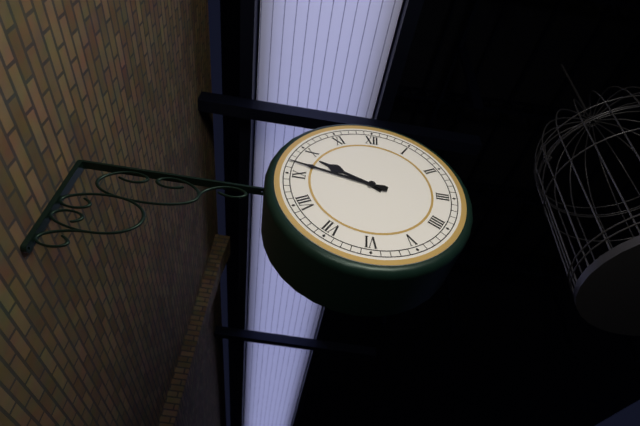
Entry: h=9 m=47
